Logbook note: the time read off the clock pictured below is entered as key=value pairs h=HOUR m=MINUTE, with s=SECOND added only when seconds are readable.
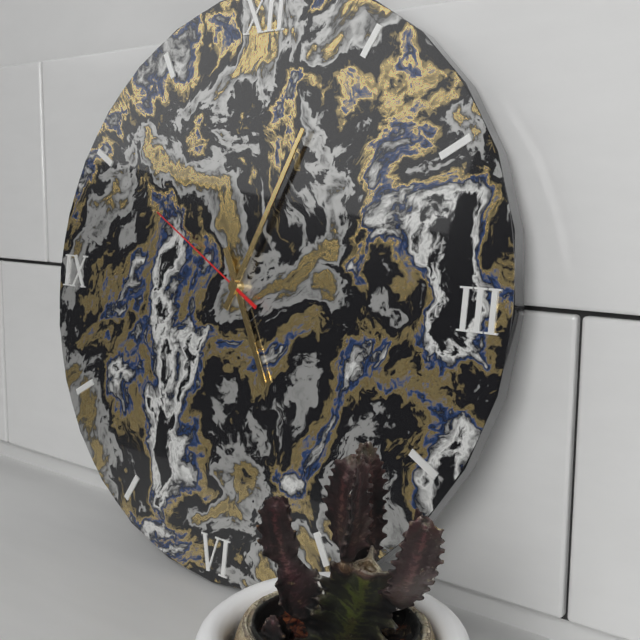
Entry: h=5 m=4 s=50
